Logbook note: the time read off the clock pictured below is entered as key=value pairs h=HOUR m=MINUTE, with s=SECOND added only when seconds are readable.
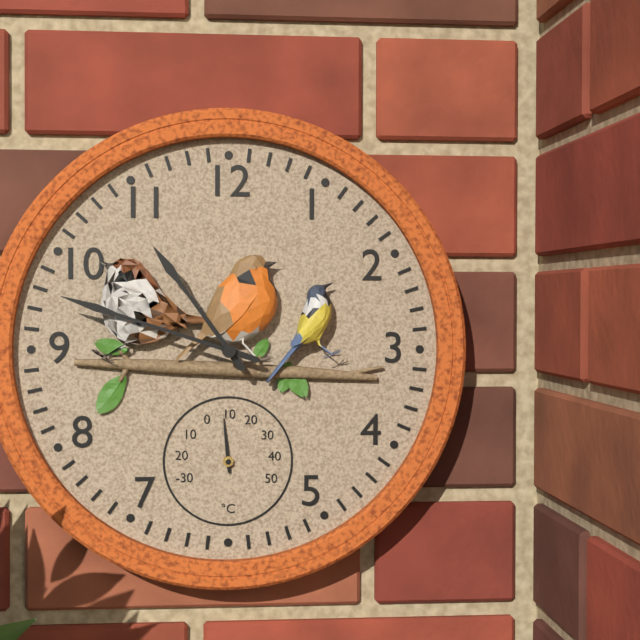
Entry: h=10 m=48
